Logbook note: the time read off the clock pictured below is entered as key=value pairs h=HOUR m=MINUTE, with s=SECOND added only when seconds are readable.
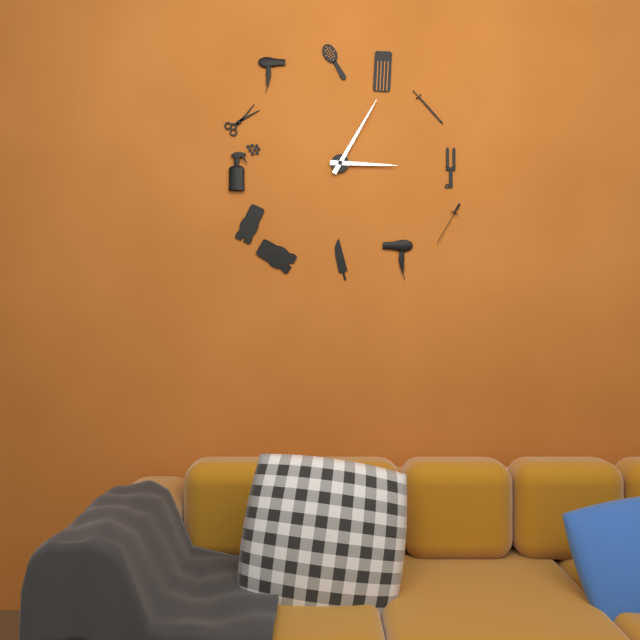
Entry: h=3 m=5
